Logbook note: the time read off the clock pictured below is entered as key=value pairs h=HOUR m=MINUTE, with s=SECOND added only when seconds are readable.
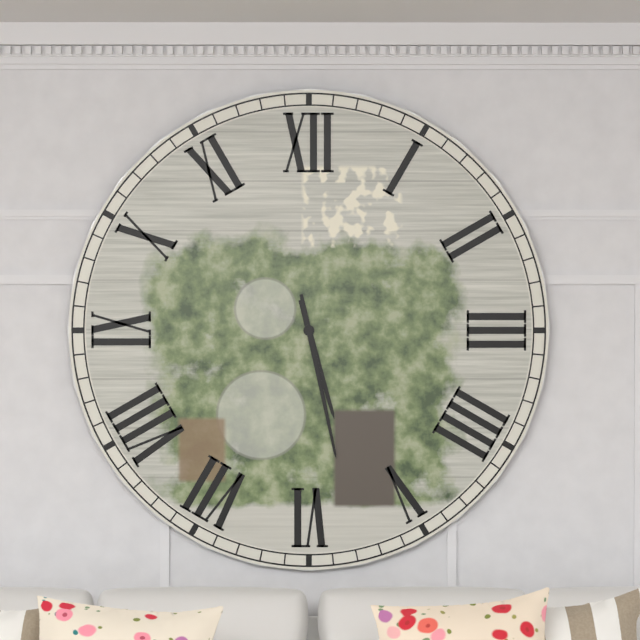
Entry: h=5 m=28
